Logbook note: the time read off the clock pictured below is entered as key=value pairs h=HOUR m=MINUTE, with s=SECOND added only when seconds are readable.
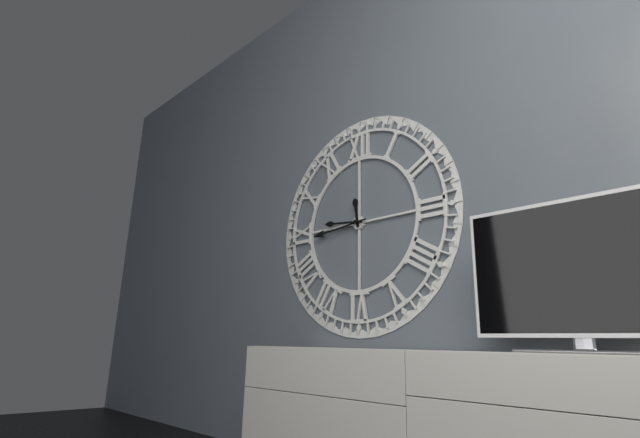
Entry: h=11 m=44
